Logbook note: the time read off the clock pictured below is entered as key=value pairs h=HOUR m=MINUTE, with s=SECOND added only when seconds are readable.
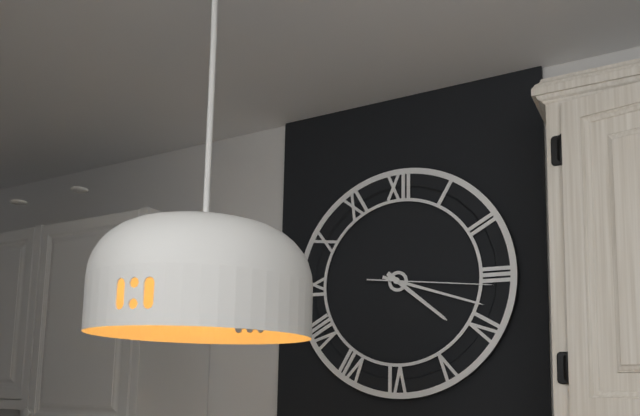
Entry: h=4 m=18 s=16
